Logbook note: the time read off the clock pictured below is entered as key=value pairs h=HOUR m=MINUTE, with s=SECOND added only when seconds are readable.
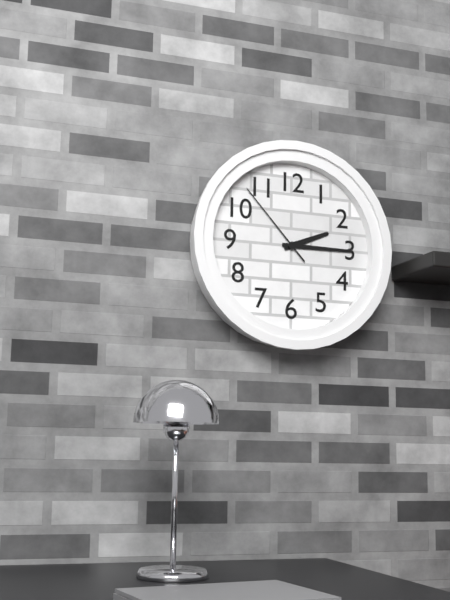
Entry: h=2 m=15 s=53
